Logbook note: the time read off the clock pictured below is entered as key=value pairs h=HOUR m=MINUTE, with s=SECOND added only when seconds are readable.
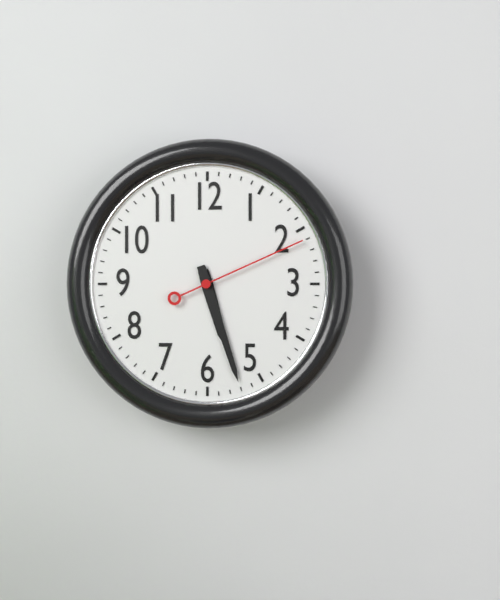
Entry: h=5 m=27 s=11
